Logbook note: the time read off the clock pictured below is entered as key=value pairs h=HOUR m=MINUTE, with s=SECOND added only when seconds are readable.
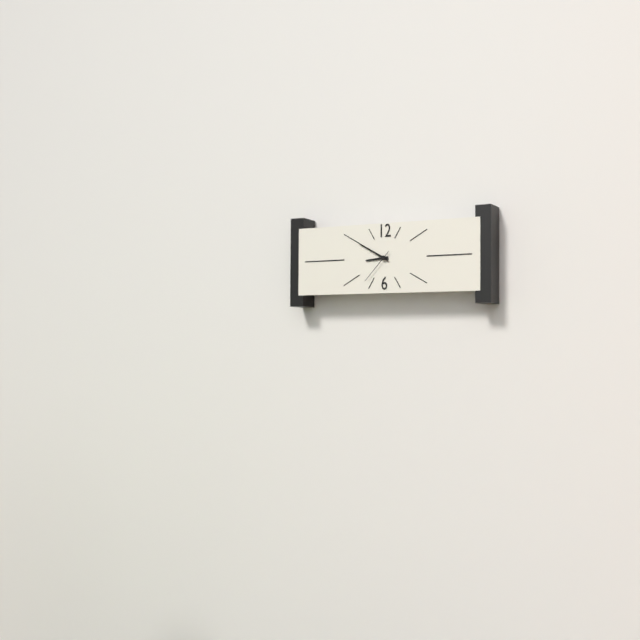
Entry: h=8 m=50
